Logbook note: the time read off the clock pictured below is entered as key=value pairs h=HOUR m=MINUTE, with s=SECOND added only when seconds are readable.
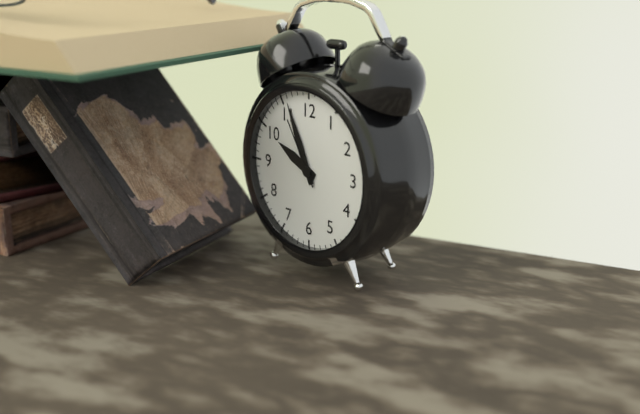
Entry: h=9 m=56 s=55
